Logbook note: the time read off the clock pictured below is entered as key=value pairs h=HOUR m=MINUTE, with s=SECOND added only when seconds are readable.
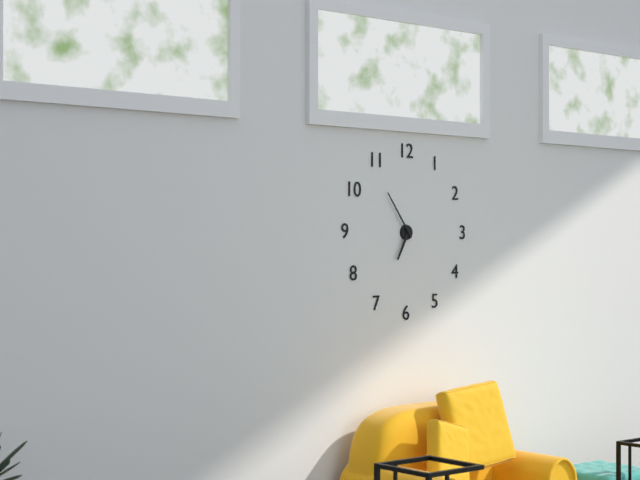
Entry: h=6 m=54
